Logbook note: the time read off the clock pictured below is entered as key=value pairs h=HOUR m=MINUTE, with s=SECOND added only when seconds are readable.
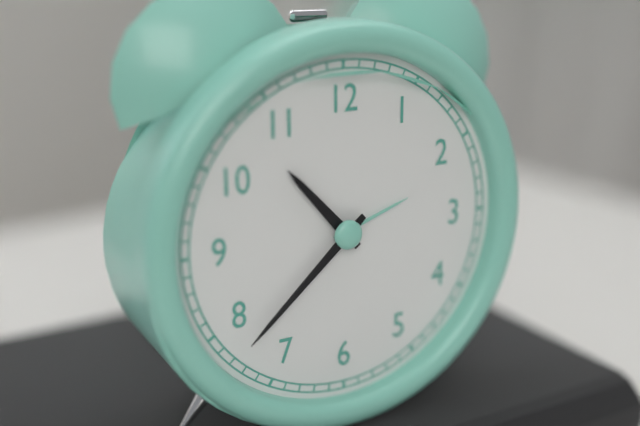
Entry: h=10 m=38
